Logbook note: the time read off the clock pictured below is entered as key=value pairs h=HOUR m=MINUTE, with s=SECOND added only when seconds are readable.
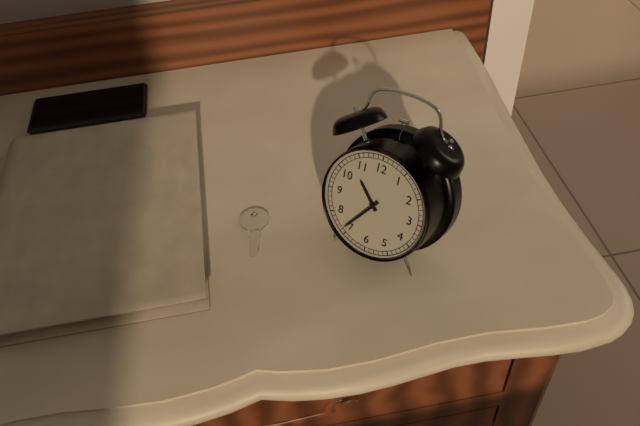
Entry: h=10 m=36
